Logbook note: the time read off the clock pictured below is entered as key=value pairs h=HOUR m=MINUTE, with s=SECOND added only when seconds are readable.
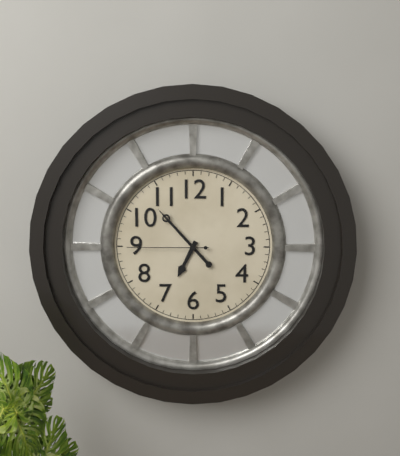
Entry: h=6 m=53 s=45
